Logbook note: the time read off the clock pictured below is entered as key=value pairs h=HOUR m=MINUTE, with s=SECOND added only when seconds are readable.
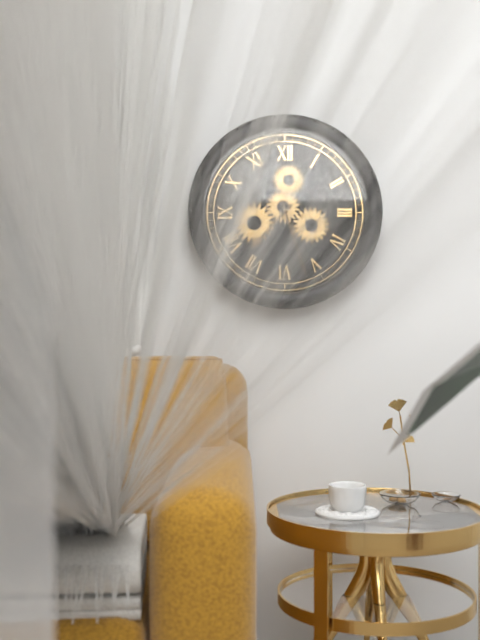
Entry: h=7 m=27
